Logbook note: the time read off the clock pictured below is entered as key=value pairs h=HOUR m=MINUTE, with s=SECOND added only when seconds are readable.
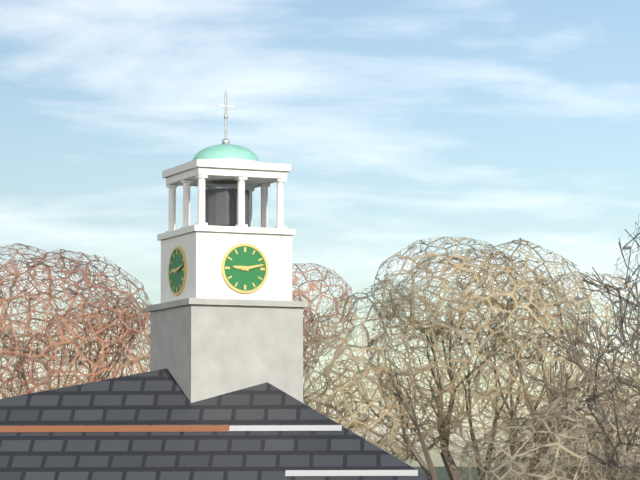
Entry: h=9 m=13
